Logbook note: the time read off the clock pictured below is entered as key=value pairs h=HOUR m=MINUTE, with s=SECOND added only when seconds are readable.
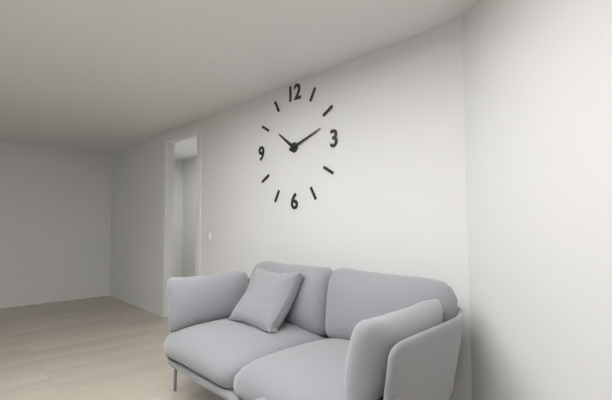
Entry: h=10 m=12
